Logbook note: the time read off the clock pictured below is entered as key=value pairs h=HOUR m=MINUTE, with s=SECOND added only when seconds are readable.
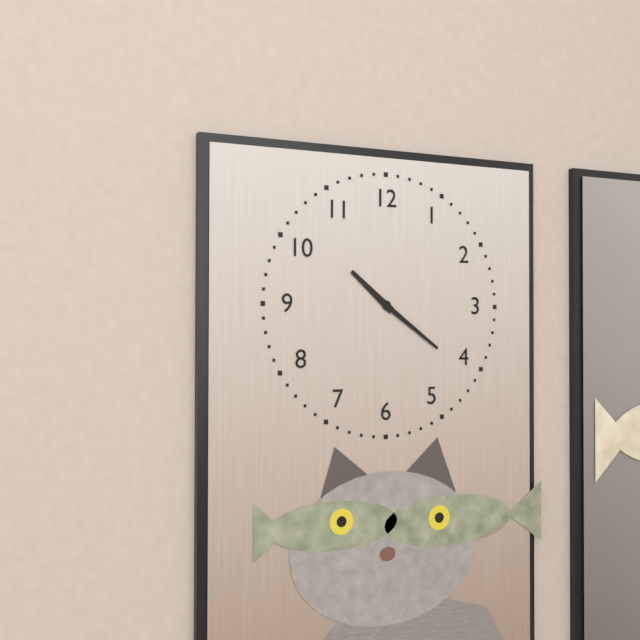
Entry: h=10 m=21
